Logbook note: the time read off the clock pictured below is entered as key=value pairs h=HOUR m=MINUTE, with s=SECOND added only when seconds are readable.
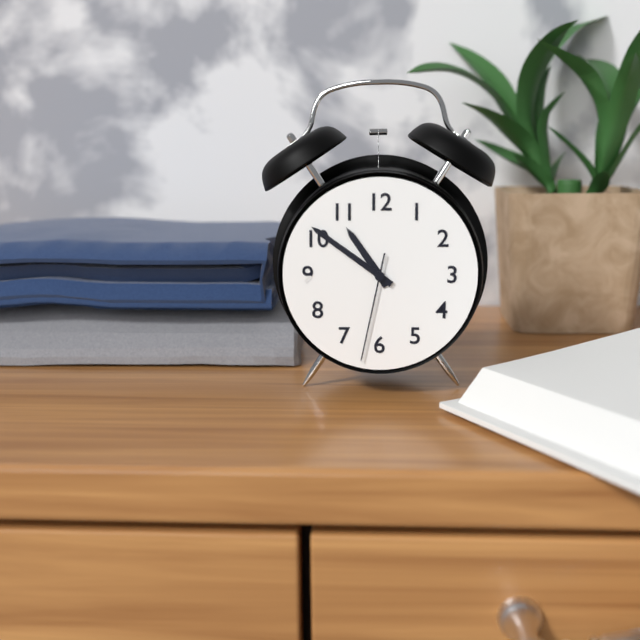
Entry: h=10 m=51 s=32
